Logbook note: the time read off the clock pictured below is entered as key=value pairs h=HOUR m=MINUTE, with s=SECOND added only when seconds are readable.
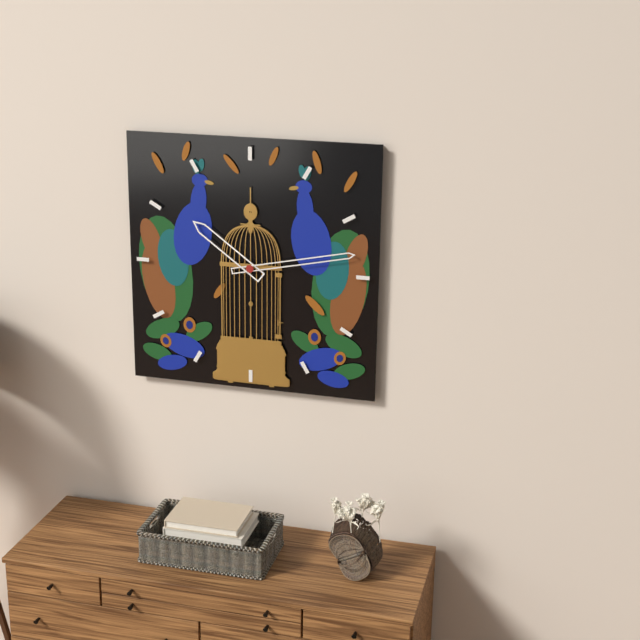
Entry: h=10 m=13
